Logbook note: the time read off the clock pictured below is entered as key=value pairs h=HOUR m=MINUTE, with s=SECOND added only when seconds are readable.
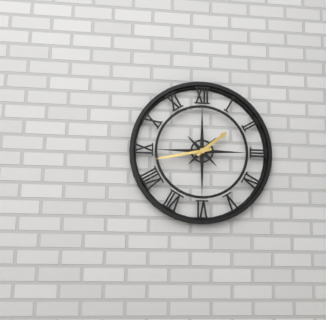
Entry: h=1 m=43
